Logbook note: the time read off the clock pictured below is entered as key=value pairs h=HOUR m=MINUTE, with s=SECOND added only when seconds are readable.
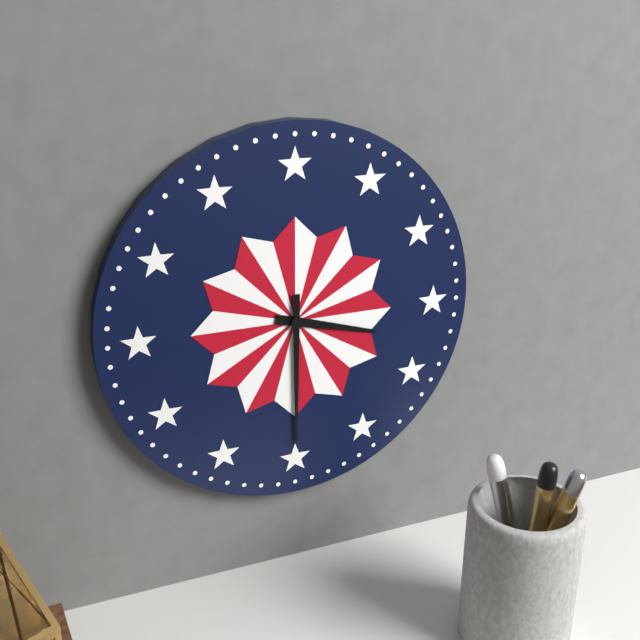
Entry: h=3 m=30
